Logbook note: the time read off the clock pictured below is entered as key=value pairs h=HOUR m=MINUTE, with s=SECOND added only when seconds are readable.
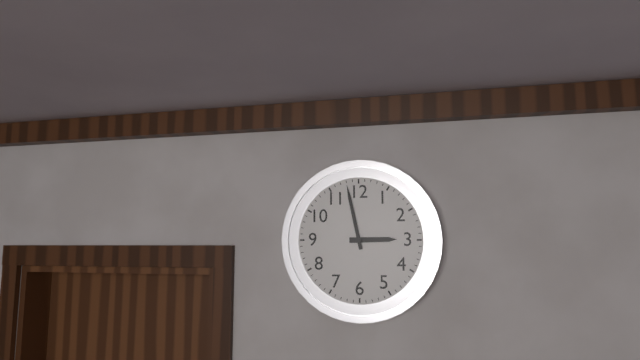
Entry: h=2 m=58
